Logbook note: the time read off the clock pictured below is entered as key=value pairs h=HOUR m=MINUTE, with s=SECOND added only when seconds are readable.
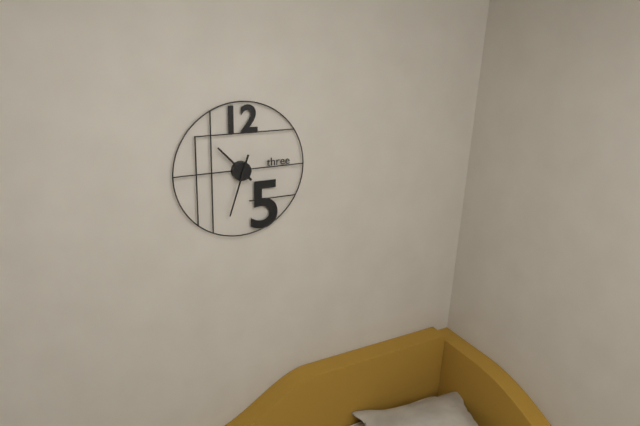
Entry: h=10 m=33
